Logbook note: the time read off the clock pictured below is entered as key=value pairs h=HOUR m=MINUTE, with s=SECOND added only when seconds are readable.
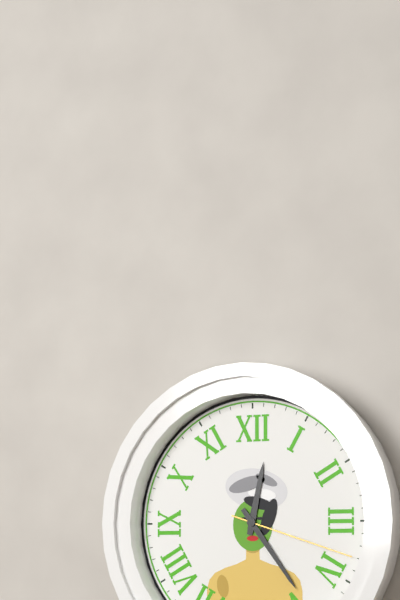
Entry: h=12 m=24 s=18
